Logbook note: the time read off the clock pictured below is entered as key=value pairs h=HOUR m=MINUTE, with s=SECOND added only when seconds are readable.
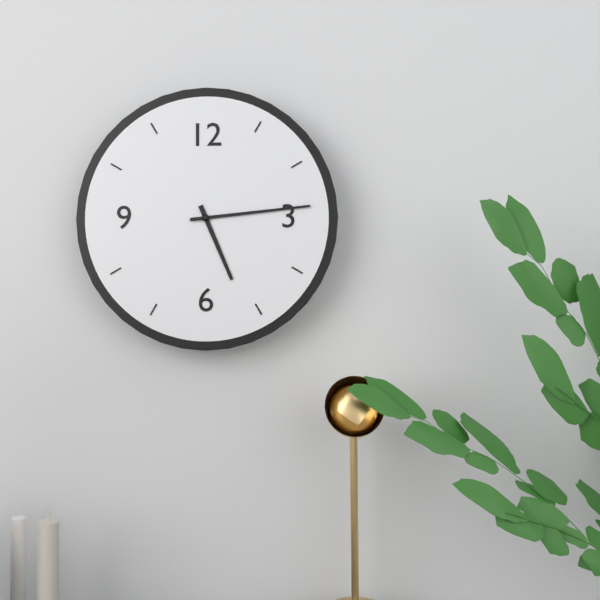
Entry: h=5 m=14
